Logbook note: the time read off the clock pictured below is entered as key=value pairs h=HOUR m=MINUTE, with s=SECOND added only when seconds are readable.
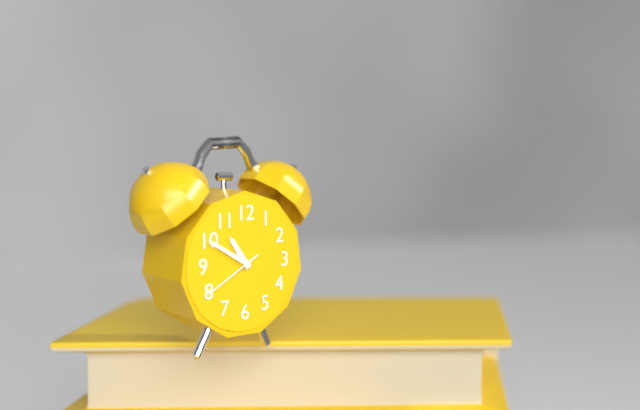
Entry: h=10 m=50 s=40
